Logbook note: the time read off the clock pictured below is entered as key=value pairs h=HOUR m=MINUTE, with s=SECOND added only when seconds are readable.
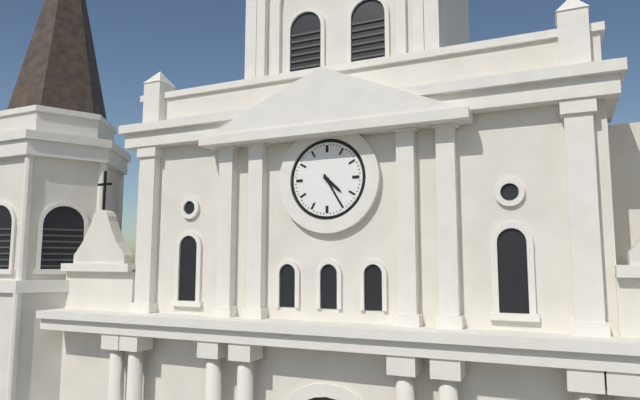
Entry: h=4 m=25
